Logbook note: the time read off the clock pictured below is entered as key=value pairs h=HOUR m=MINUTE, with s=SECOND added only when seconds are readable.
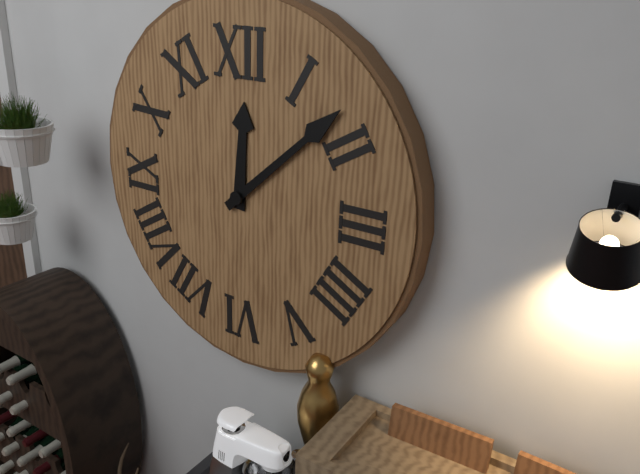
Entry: h=12 m=8
